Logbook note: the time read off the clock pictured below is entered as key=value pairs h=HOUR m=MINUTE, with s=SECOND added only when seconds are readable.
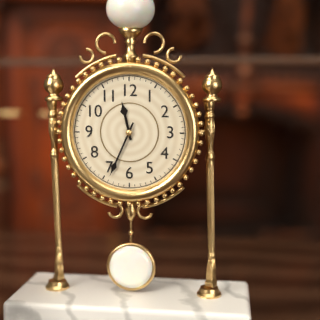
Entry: h=11 m=34
